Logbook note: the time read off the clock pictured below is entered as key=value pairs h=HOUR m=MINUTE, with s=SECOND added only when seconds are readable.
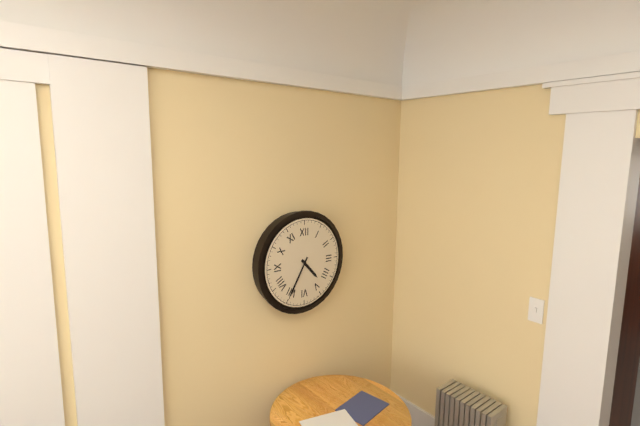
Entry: h=4 m=35
